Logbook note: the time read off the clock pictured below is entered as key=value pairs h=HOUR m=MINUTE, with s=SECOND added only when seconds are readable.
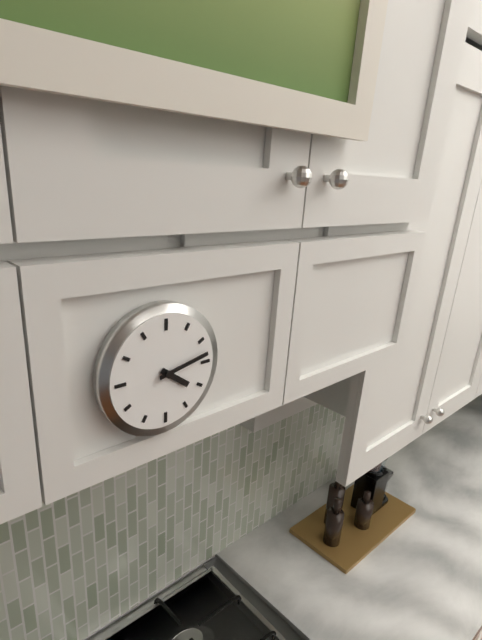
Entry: h=4 m=13
